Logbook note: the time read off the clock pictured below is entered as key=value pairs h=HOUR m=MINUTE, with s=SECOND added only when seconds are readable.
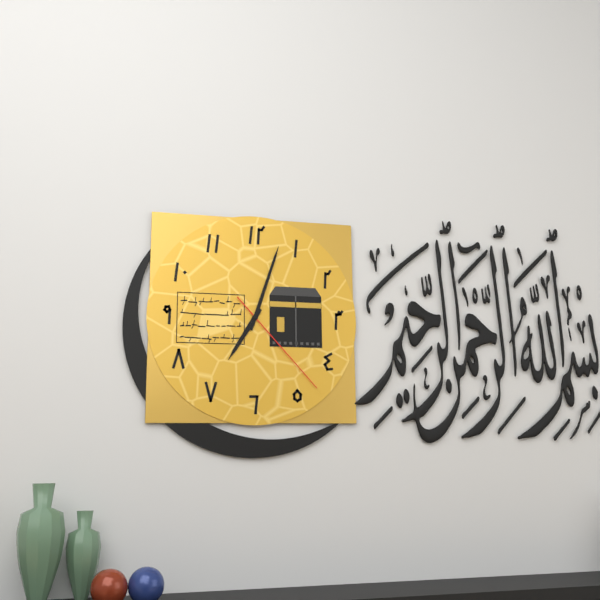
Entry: h=7 m=3 s=23
